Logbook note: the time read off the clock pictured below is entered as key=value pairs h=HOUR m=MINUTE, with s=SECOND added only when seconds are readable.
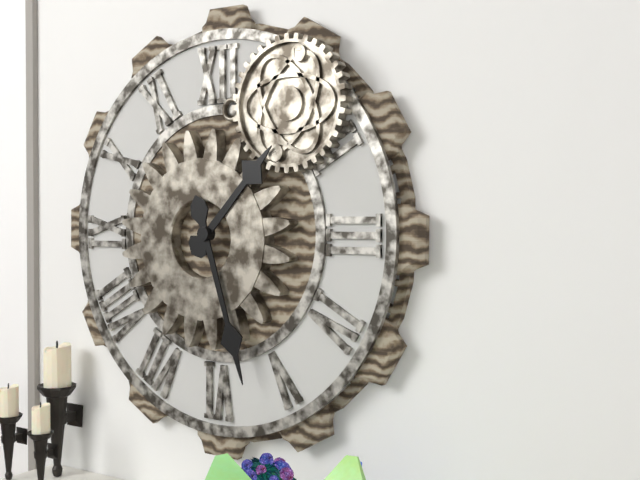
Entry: h=1 m=27
